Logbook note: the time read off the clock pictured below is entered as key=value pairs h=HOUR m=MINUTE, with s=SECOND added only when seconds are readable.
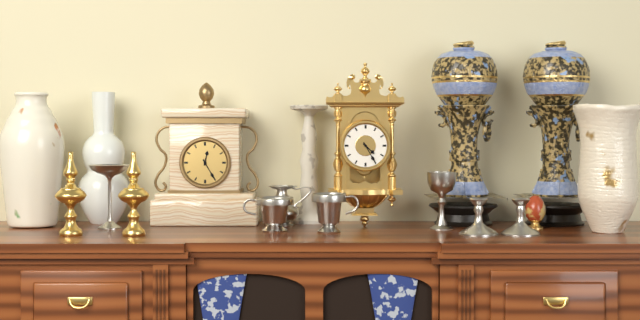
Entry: h=4 m=25
